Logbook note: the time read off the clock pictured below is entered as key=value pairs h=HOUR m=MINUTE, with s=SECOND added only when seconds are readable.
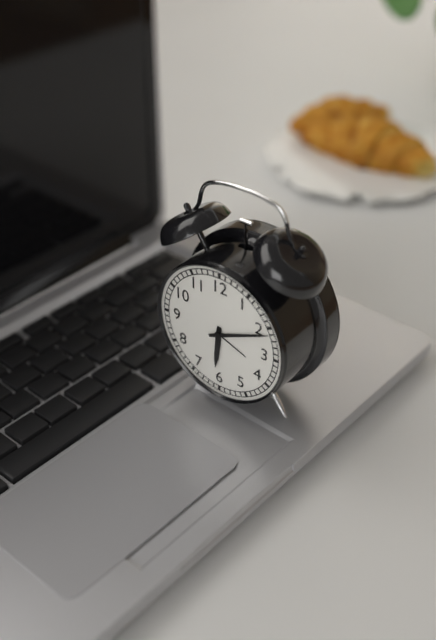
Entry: h=6 m=11
